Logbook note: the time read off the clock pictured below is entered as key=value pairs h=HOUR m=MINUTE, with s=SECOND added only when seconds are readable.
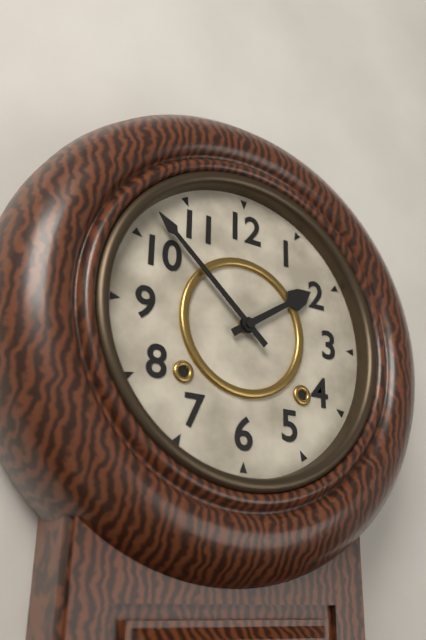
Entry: h=1 m=52
